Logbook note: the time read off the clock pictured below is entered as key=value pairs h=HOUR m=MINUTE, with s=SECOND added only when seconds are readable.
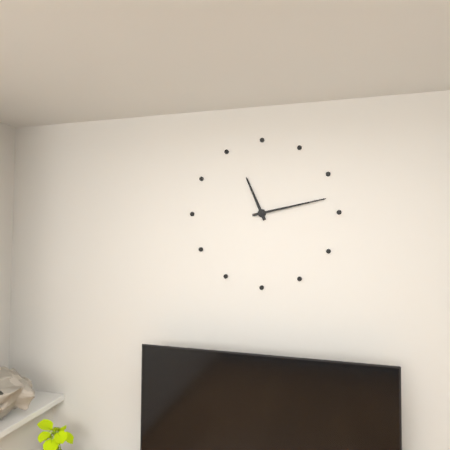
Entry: h=11 m=13
